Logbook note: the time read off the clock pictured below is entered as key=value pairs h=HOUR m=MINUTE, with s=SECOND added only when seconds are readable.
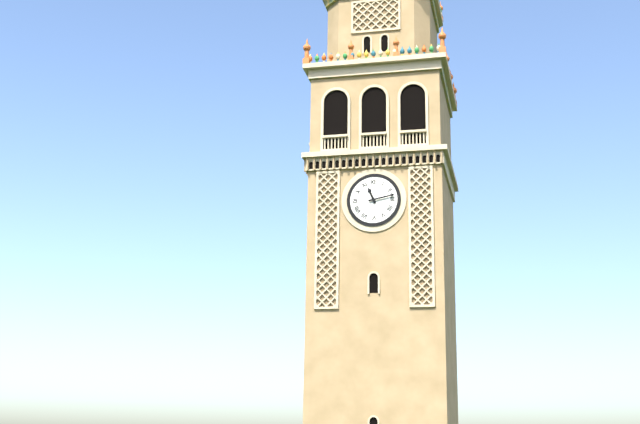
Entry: h=11 m=13
